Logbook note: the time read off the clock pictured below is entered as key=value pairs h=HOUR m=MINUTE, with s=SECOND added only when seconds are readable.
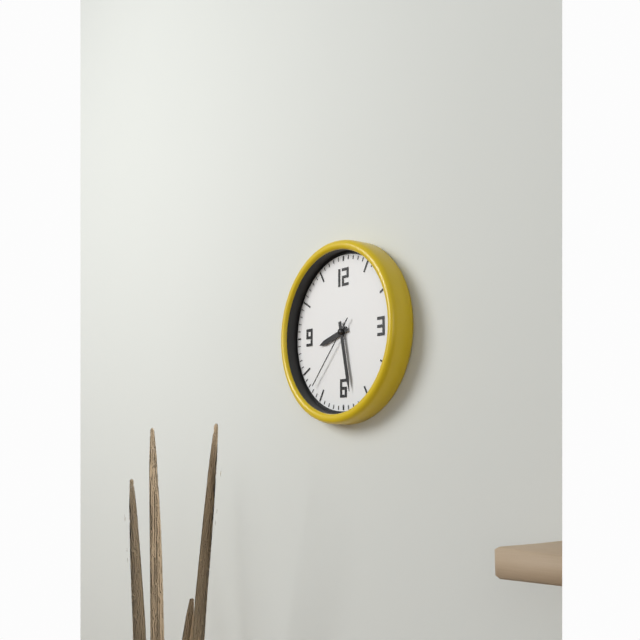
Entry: h=8 m=28 s=37
